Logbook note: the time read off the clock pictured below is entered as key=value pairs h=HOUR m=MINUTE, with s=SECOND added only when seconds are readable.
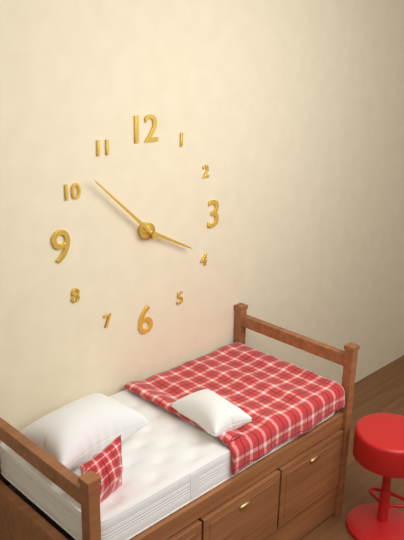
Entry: h=3 m=52
